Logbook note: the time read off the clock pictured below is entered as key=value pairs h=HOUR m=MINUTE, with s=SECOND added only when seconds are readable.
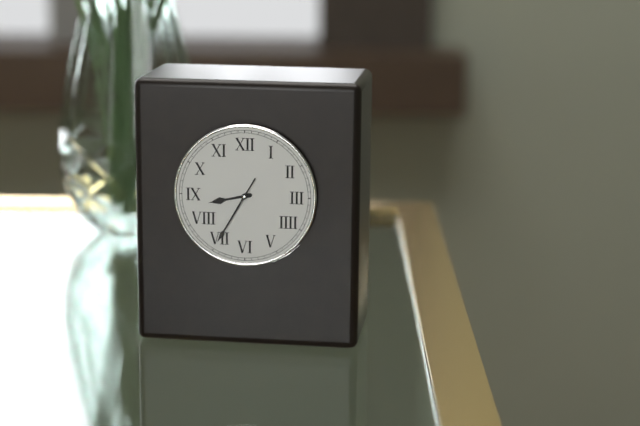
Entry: h=8 m=35
